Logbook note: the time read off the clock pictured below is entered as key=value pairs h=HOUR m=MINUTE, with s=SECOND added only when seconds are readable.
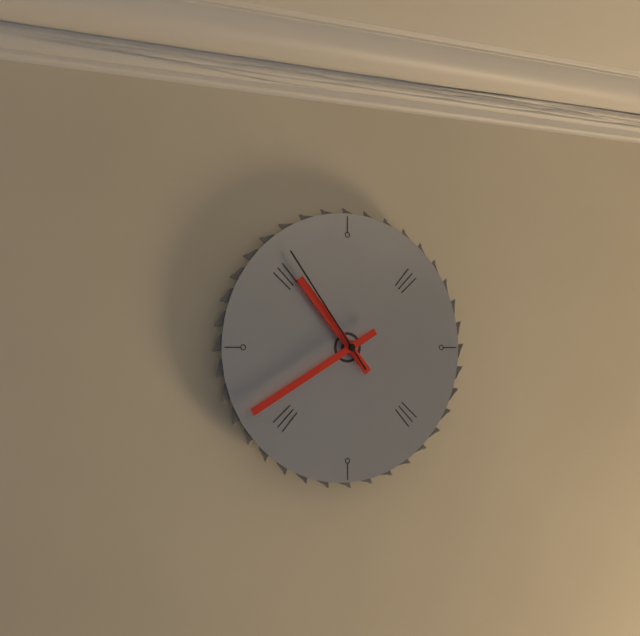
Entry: h=10 m=40 s=54
